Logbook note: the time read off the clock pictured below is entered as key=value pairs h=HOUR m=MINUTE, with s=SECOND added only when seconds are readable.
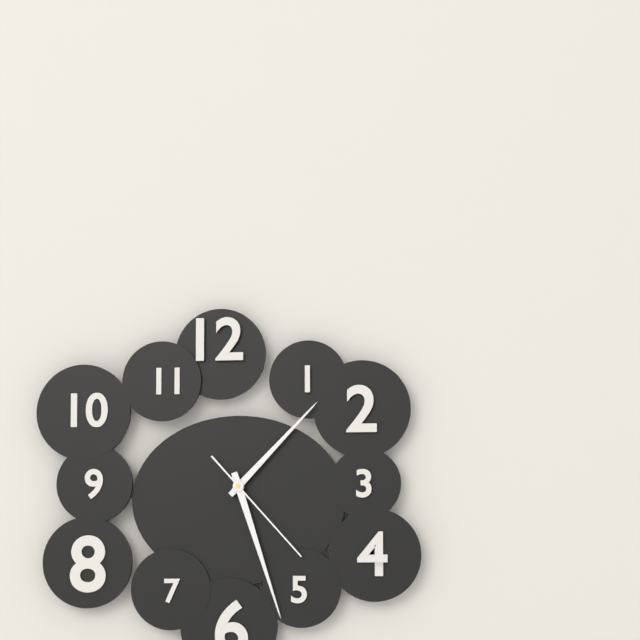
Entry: h=1 m=27 s=23
